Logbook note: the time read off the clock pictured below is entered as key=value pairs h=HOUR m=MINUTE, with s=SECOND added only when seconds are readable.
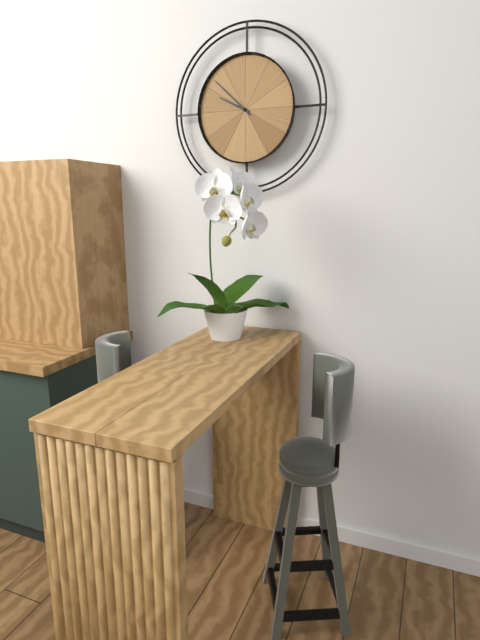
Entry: h=9 m=52
